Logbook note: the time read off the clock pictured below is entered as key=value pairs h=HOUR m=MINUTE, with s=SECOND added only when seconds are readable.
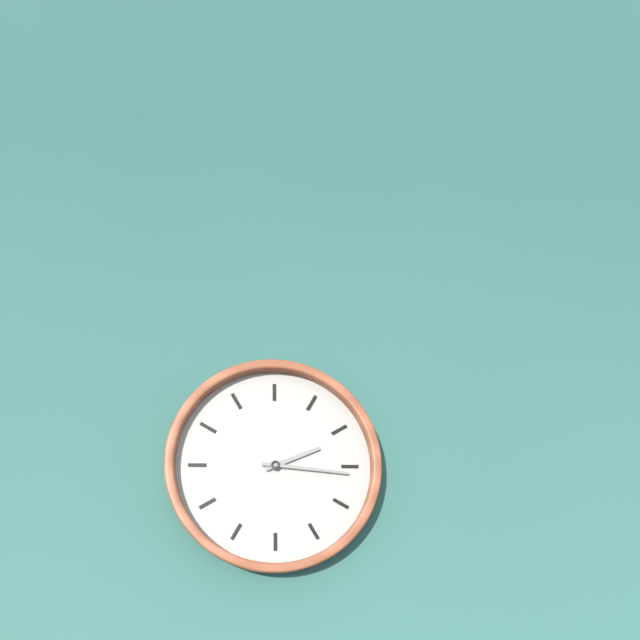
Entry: h=2 m=16
